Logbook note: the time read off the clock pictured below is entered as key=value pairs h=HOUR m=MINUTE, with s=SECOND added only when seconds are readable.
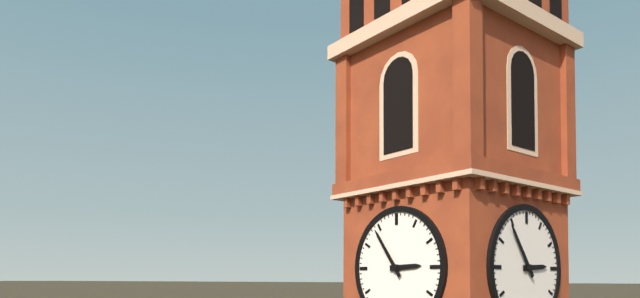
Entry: h=2 m=54
